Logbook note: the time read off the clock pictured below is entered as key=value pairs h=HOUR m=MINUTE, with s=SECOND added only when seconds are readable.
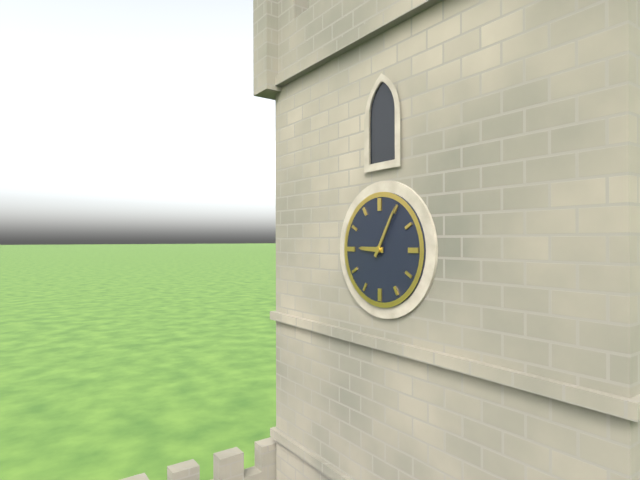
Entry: h=9 m=5
